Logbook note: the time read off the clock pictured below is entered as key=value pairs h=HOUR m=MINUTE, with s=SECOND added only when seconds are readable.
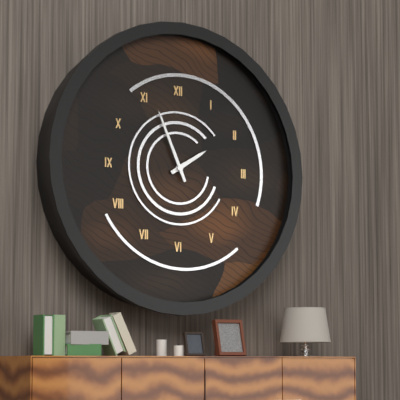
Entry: h=1 m=56
